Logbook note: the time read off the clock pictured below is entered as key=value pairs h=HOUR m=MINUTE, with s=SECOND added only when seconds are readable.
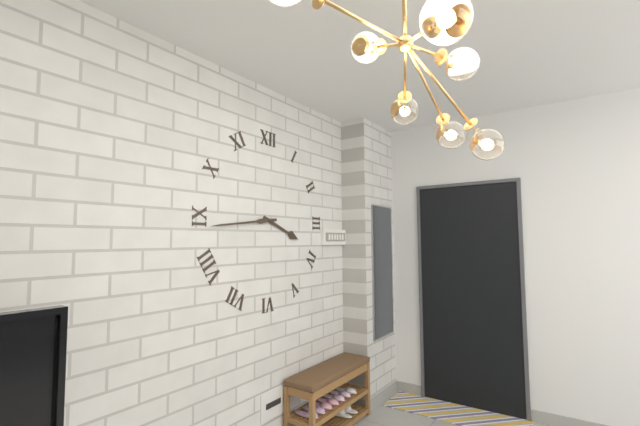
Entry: h=3 m=44
